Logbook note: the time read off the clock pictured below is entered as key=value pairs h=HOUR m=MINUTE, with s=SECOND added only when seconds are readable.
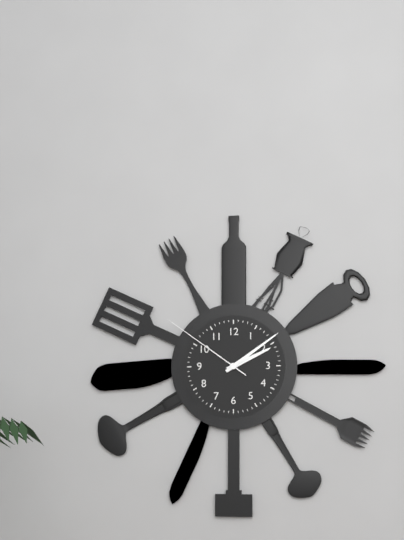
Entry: h=2 m=9 s=51
